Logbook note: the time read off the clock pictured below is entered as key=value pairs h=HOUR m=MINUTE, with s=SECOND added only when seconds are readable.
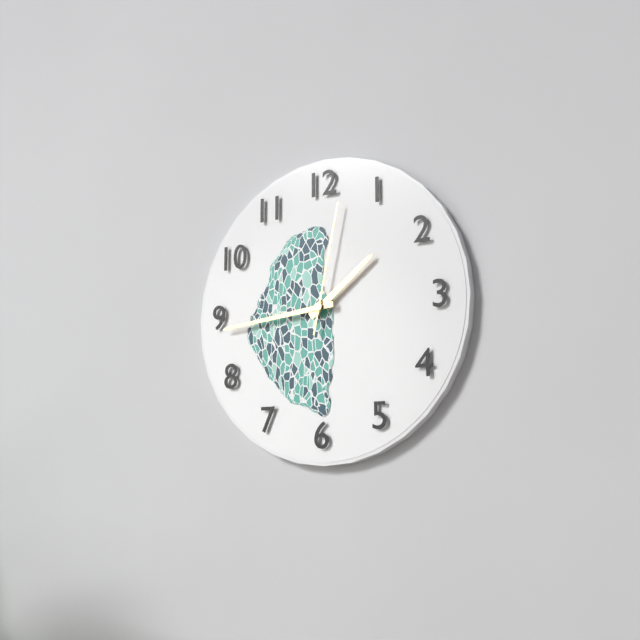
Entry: h=1 m=44 s=2
